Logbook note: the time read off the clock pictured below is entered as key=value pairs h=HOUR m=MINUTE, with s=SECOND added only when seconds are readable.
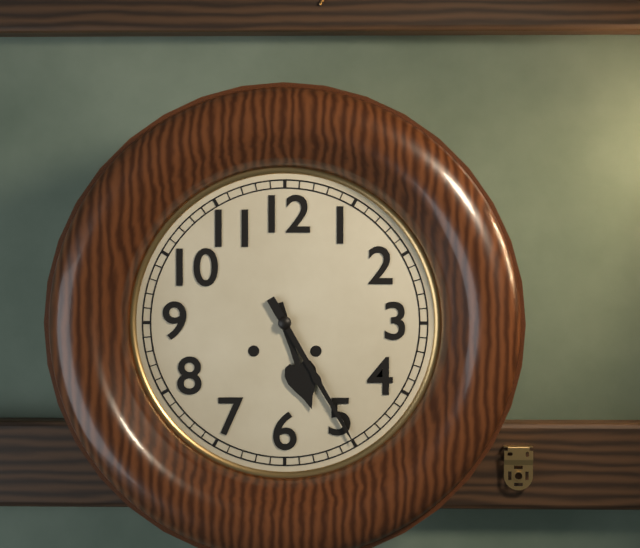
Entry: h=5 m=25
